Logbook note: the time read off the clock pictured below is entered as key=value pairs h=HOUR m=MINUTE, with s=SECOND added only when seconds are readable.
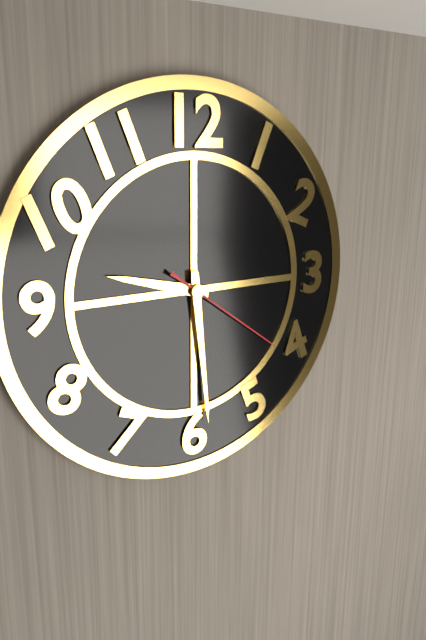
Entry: h=9 m=29 s=21
